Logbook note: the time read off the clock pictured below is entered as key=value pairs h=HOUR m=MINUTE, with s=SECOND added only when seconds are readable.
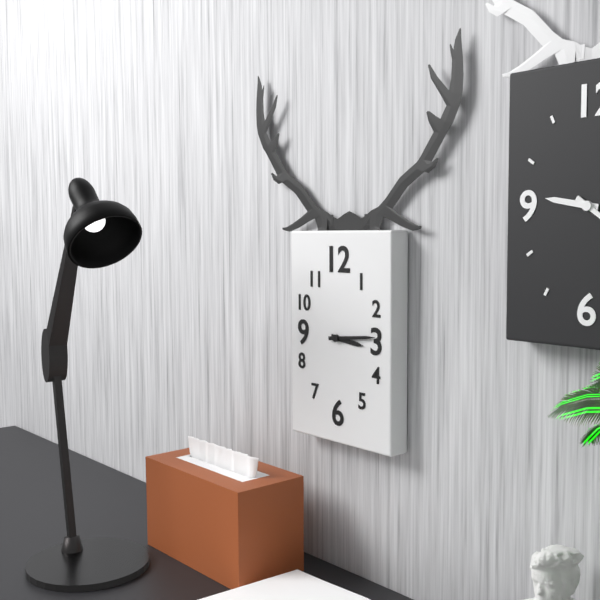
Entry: h=3 m=14
